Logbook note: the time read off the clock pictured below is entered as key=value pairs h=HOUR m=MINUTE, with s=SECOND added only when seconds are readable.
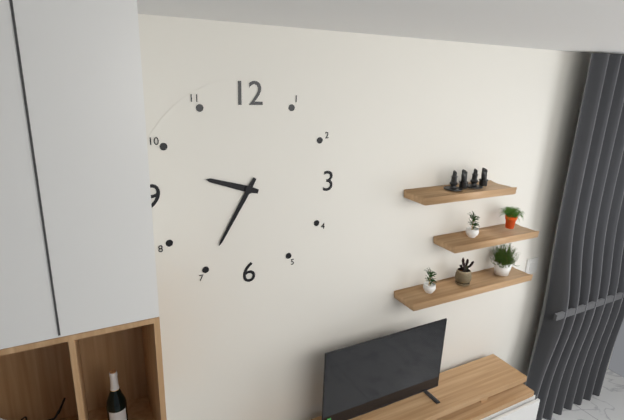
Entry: h=9 m=35
